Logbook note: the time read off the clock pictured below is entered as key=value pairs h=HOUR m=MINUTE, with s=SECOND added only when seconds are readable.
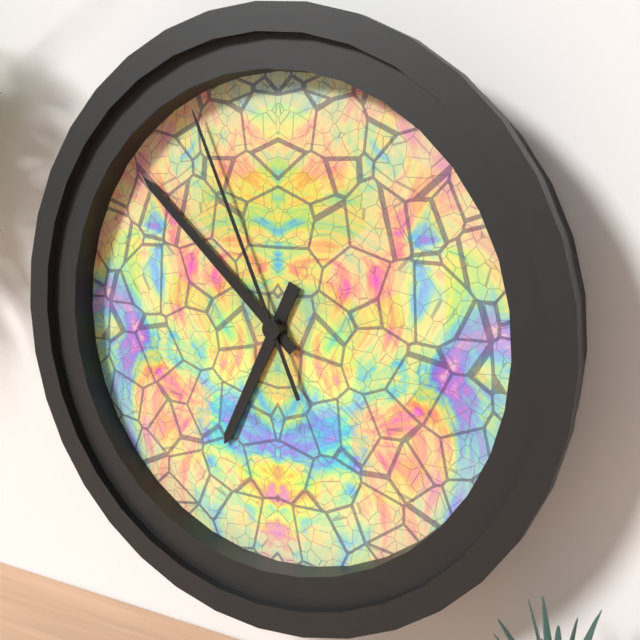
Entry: h=6 m=52 s=56
